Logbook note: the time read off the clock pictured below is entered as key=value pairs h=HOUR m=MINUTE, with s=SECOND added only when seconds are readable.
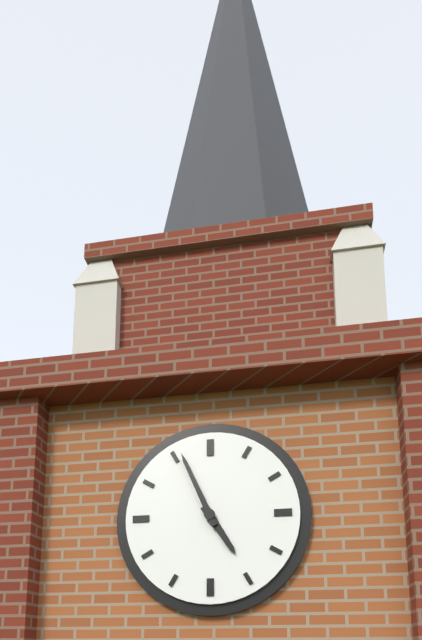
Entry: h=4 m=56
